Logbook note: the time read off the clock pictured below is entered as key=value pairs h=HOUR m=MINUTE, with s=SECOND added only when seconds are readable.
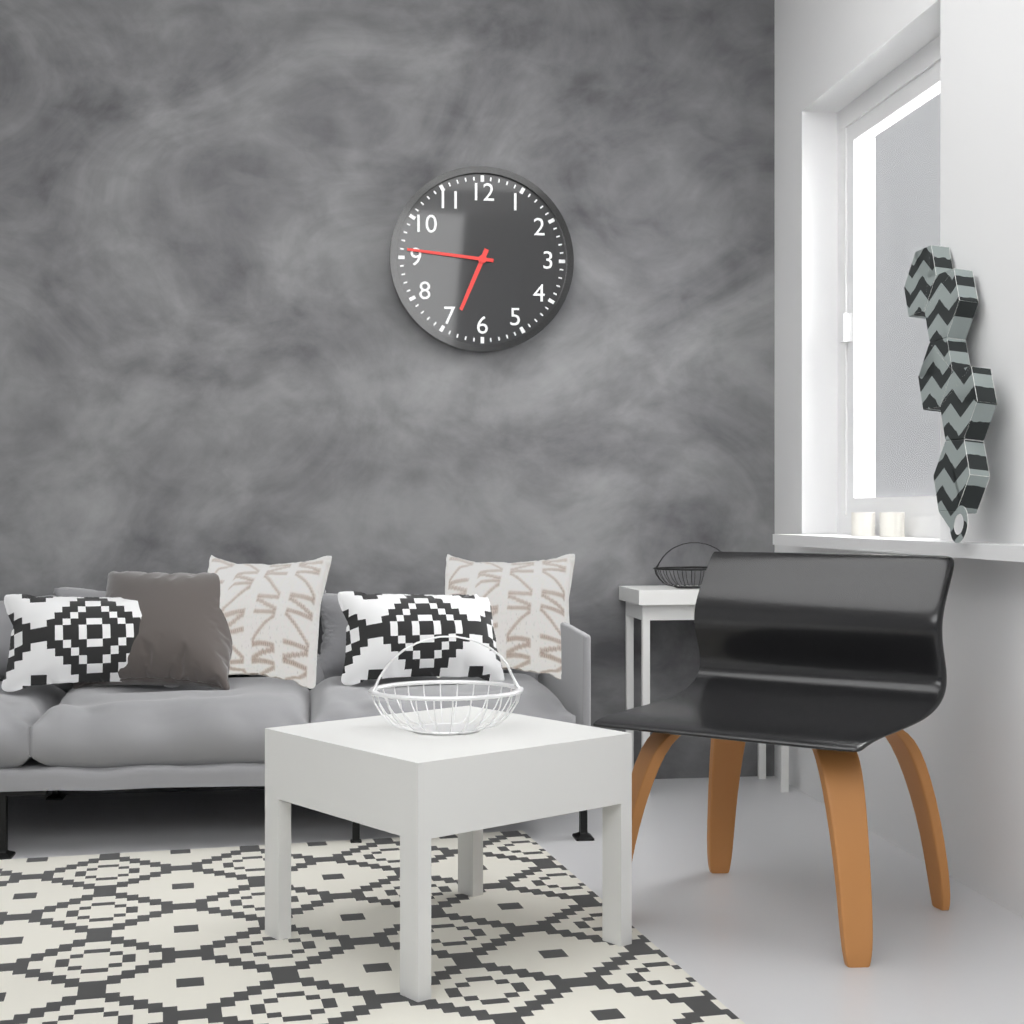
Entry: h=6 m=46
